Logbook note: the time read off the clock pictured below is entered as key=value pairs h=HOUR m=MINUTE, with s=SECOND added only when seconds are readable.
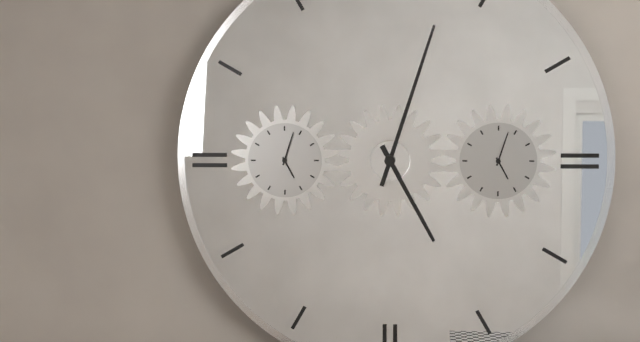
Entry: h=5 m=3
